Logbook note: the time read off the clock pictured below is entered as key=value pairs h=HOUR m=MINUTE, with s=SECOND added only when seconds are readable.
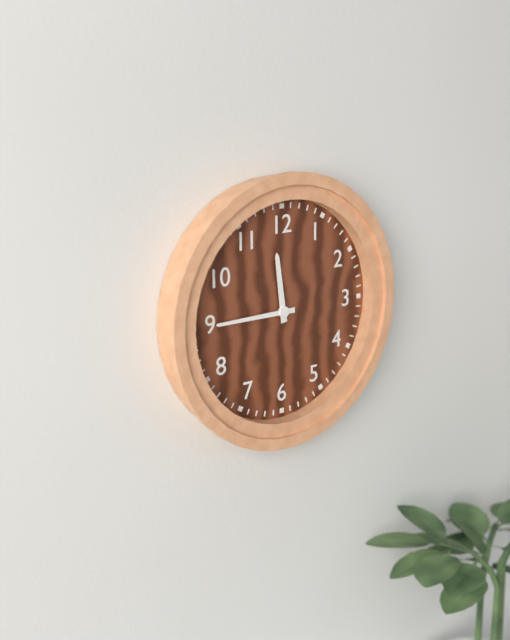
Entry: h=11 m=45
